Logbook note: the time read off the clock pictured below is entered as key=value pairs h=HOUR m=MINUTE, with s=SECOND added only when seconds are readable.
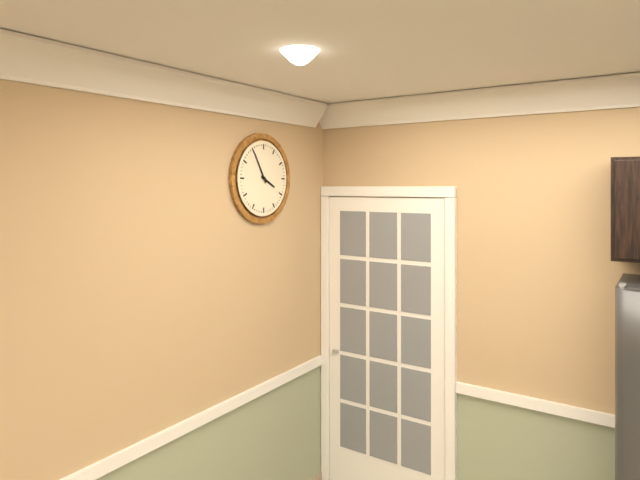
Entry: h=3 m=55
